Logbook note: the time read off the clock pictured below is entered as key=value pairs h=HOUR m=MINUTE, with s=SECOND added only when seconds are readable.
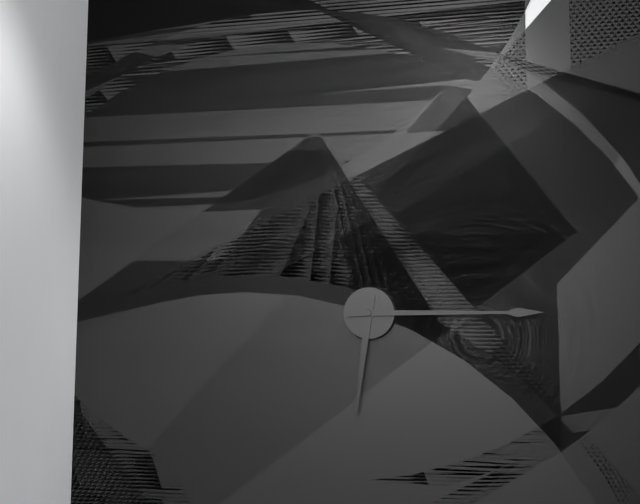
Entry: h=6 m=15
